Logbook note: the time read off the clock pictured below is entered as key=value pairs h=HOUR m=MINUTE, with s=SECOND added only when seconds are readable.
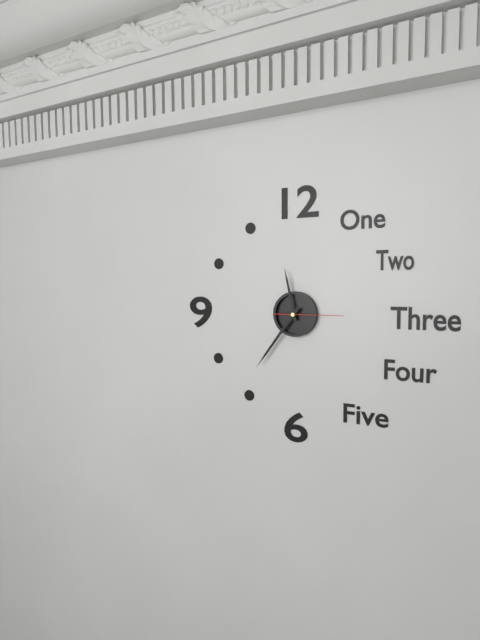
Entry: h=11 m=36 s=15
